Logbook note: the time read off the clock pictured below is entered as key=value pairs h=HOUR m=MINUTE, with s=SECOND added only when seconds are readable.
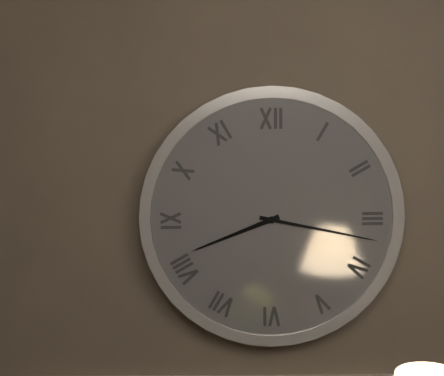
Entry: h=8 m=17
